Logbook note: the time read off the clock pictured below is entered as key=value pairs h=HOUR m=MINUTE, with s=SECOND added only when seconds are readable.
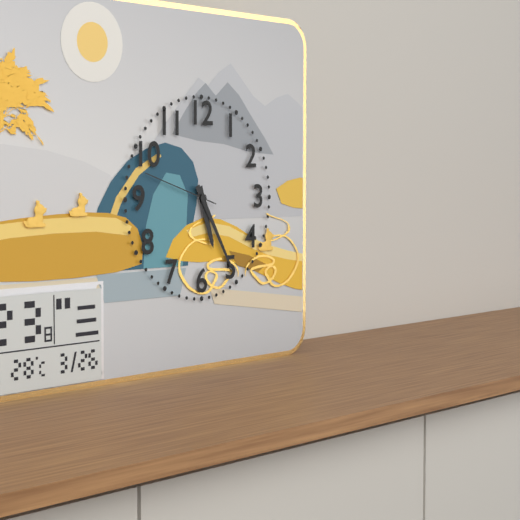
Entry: h=5 m=25 s=48
